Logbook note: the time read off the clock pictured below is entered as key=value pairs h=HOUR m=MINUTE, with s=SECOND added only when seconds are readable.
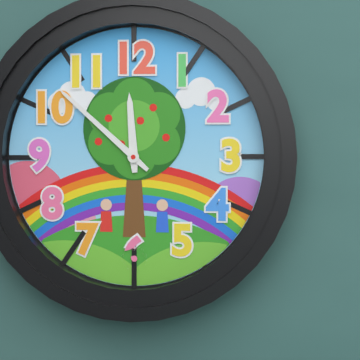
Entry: h=11 m=52
